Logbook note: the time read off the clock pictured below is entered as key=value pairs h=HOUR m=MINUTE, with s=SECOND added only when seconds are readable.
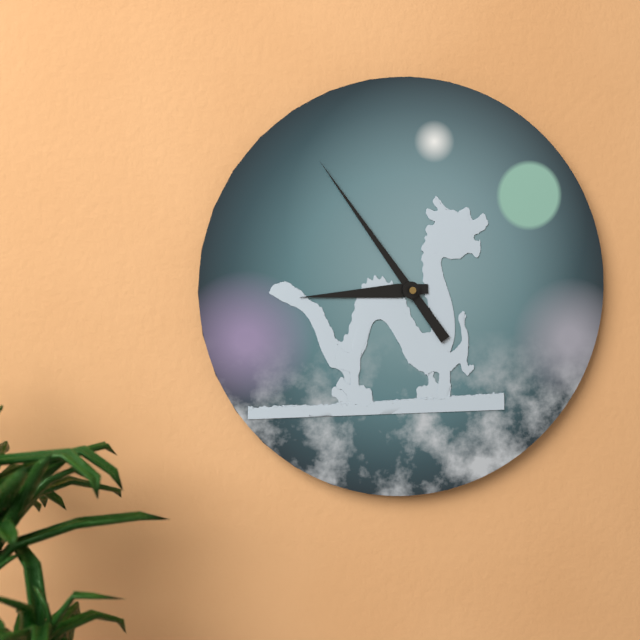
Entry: h=8 m=54
